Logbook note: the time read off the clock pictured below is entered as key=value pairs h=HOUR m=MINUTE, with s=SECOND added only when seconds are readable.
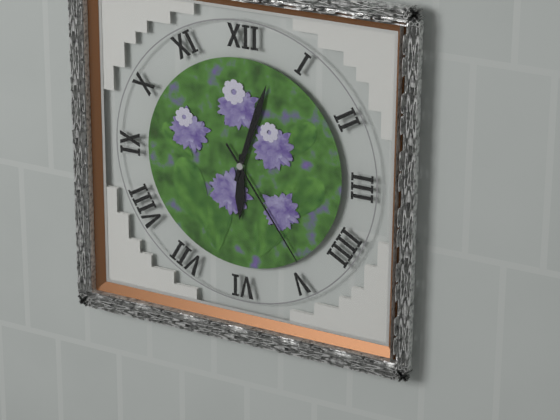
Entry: h=6 m=3 s=24
